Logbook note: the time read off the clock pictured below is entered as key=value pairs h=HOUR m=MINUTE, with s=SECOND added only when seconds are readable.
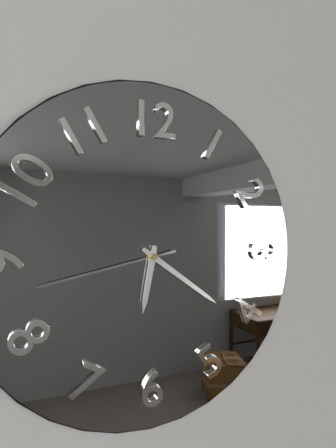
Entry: h=6 m=21 s=43
